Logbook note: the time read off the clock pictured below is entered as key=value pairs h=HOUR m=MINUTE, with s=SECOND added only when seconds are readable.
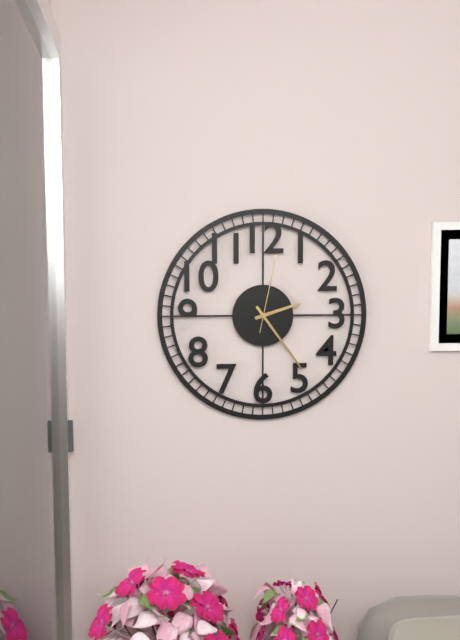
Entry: h=2 m=24 s=2
